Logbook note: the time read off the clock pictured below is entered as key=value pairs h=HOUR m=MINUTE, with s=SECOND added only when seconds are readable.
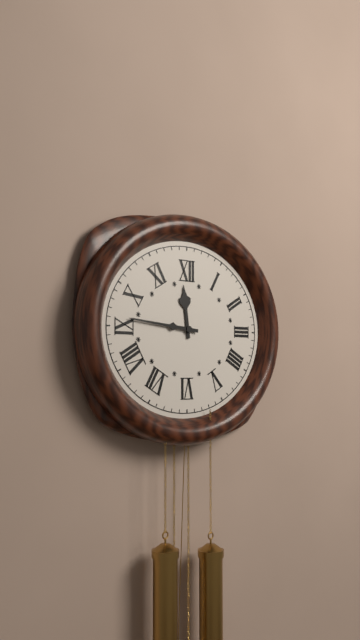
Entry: h=11 m=46
